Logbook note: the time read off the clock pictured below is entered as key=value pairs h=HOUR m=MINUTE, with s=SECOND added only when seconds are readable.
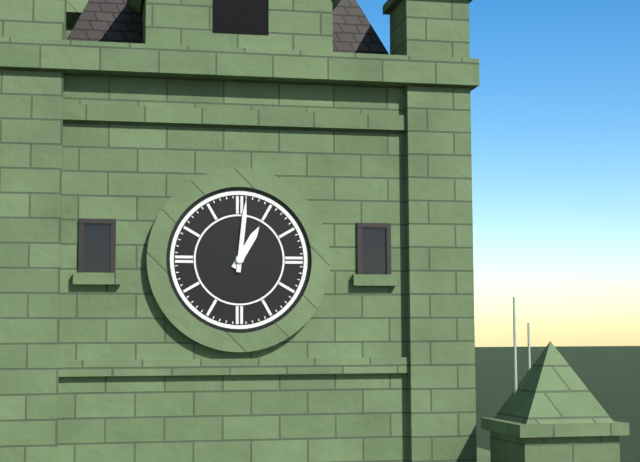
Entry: h=1 m=1
